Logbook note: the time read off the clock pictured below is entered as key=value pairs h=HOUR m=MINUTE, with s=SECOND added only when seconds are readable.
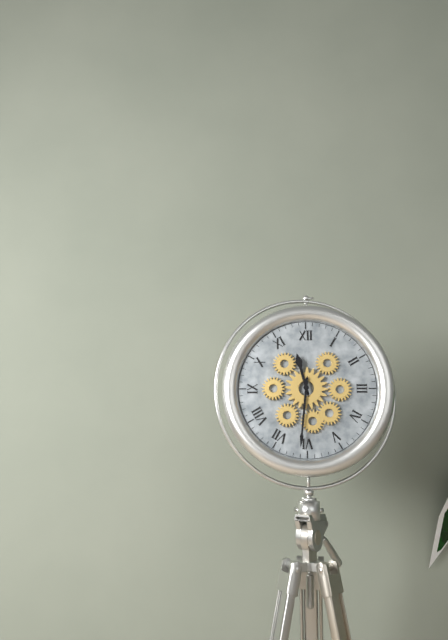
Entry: h=11 m=31
